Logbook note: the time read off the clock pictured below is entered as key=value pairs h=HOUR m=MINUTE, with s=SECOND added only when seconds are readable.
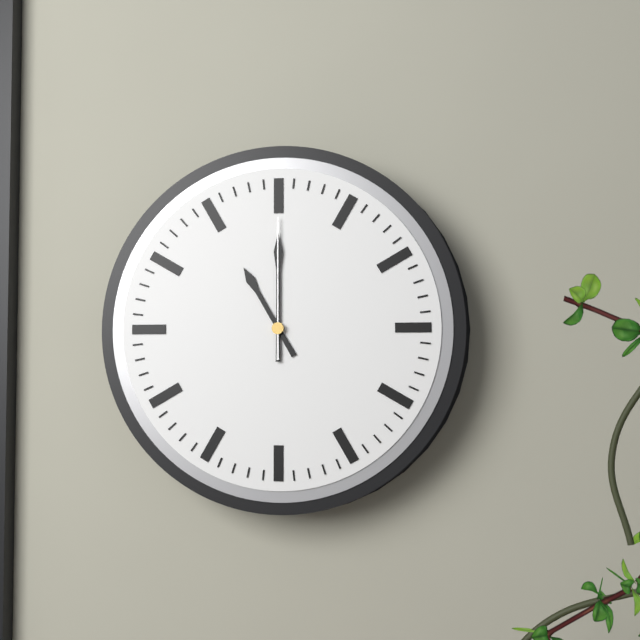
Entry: h=11 m=0 s=0
